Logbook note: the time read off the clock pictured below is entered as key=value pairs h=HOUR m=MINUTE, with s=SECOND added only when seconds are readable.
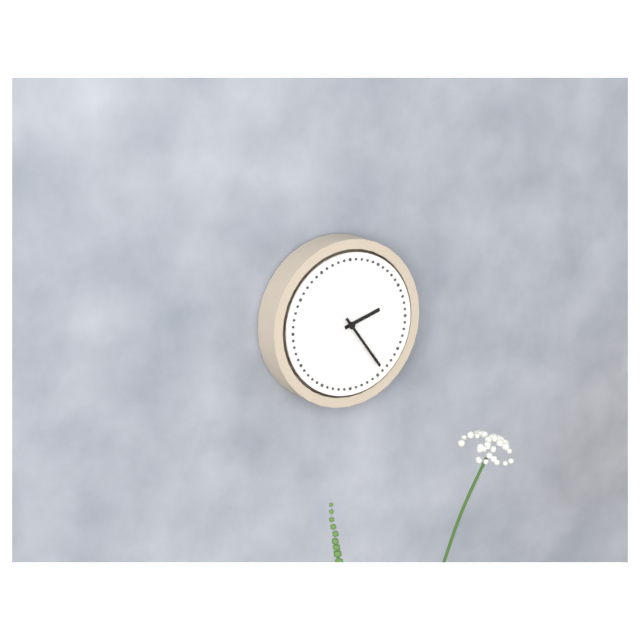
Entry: h=2 m=24
